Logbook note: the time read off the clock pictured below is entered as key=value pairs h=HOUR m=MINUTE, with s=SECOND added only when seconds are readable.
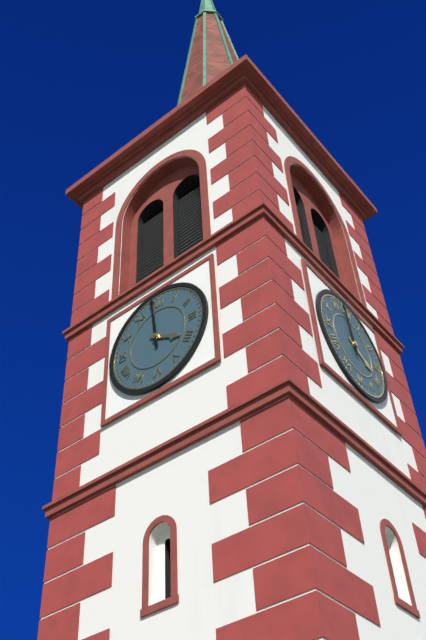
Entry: h=3 m=59
